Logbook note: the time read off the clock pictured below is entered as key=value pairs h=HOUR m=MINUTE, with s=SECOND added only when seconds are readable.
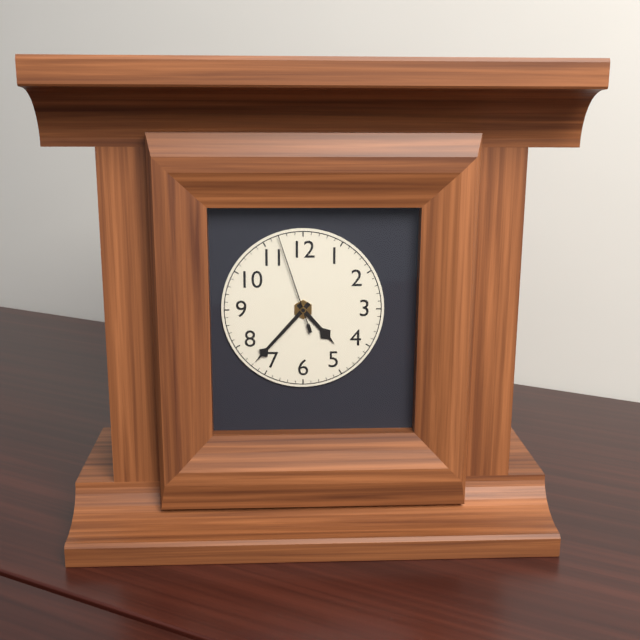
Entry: h=4 m=37 s=57
